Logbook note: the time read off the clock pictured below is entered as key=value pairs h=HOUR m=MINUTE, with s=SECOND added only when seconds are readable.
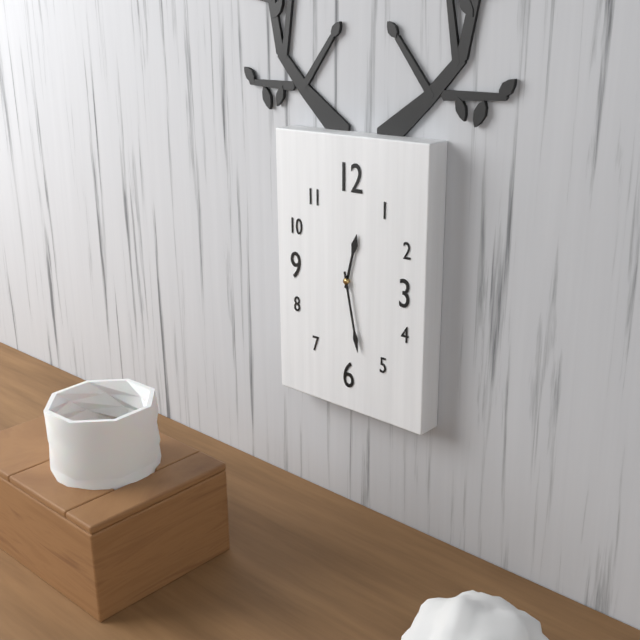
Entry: h=12 m=28
